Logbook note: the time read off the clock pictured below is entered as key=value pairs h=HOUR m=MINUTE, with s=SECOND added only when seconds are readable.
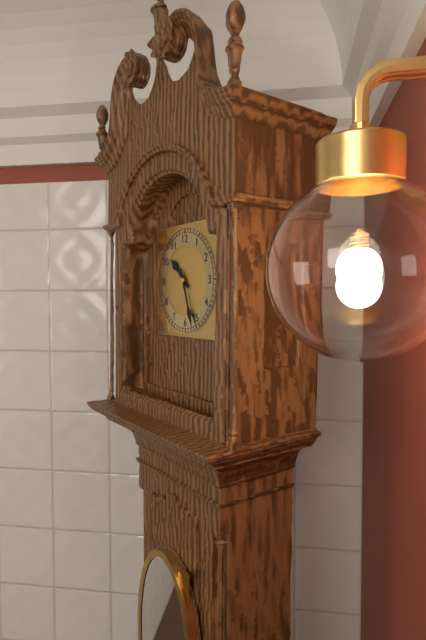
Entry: h=10 m=27
